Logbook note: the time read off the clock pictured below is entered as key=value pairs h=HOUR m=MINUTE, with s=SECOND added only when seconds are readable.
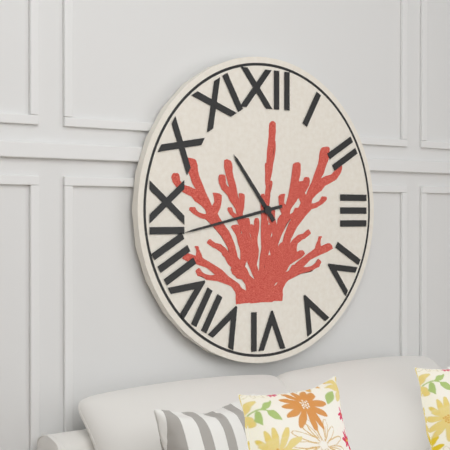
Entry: h=10 m=43
